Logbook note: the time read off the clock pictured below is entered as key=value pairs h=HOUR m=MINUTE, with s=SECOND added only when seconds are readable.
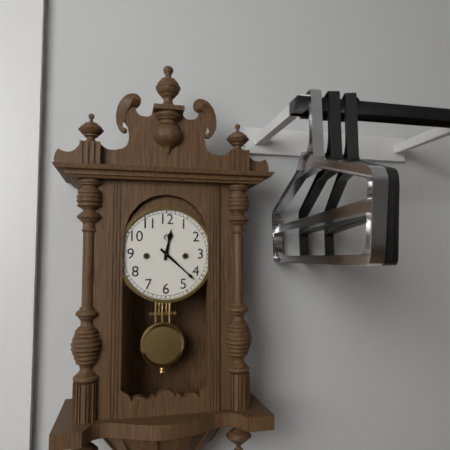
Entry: h=12 m=22
